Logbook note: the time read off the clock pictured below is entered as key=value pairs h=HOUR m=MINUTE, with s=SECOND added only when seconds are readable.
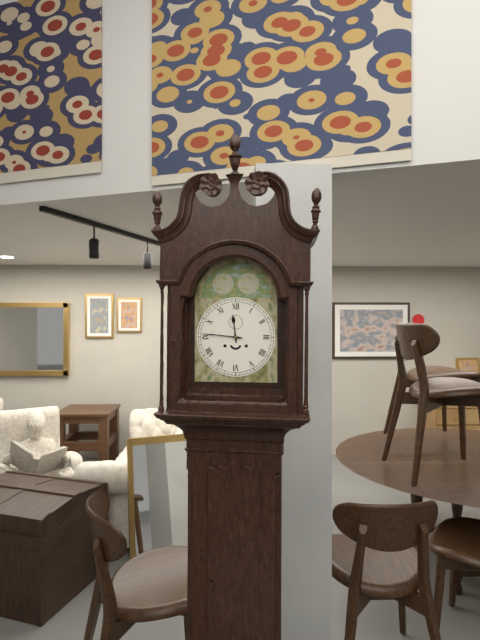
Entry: h=11 m=46
